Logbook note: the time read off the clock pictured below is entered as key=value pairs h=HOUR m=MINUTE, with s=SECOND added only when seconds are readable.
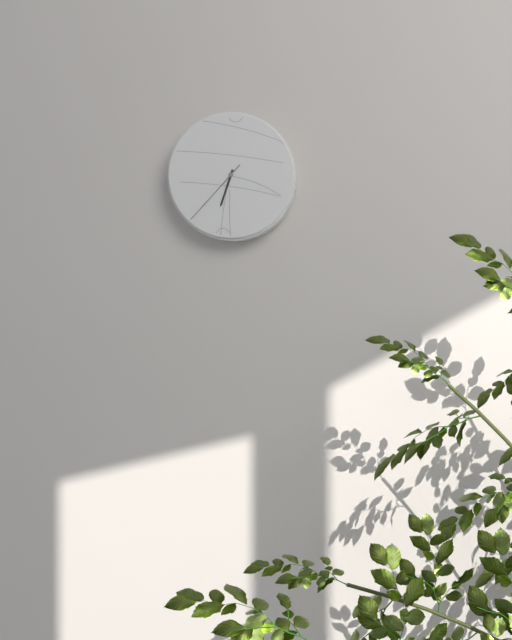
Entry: h=6 m=37
